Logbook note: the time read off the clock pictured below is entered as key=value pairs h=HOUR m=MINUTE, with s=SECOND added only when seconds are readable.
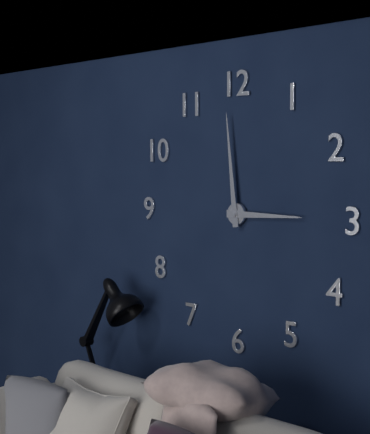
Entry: h=2 m=59
